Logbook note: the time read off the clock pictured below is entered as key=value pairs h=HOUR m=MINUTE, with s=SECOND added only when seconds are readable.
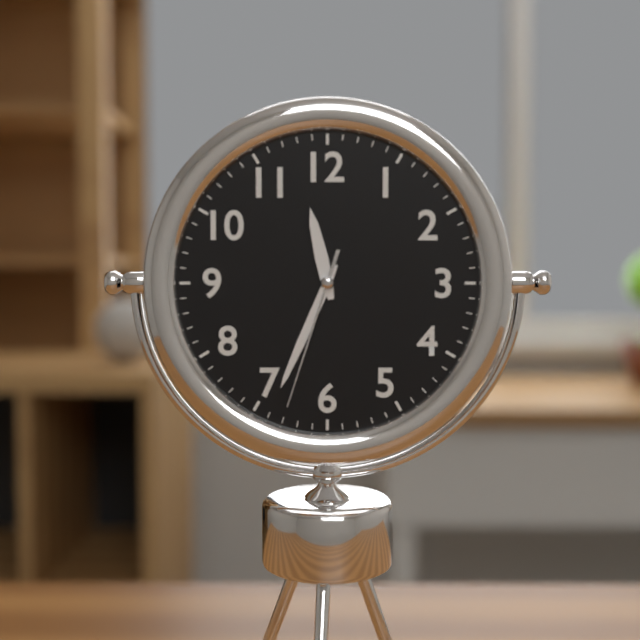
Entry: h=11 m=34 s=33
